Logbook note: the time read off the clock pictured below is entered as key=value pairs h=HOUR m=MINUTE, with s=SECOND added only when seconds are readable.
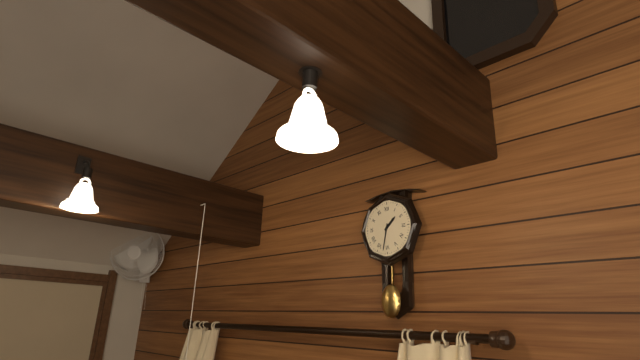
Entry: h=1 m=32
